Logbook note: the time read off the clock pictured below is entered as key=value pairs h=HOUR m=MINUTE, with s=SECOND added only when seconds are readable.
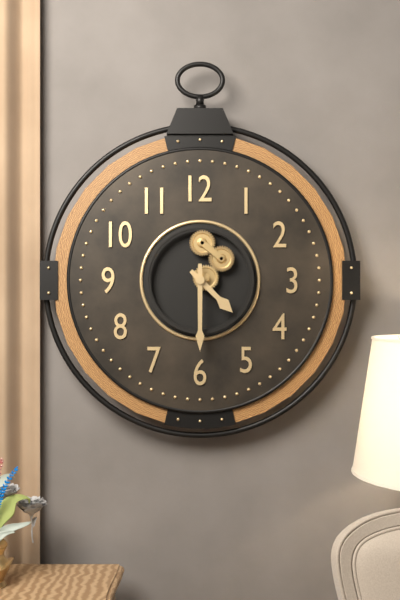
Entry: h=4 m=30
